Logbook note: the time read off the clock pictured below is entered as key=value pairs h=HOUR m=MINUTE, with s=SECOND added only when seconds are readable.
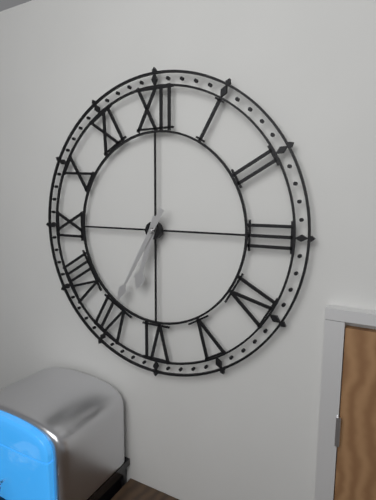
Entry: h=6 m=35
